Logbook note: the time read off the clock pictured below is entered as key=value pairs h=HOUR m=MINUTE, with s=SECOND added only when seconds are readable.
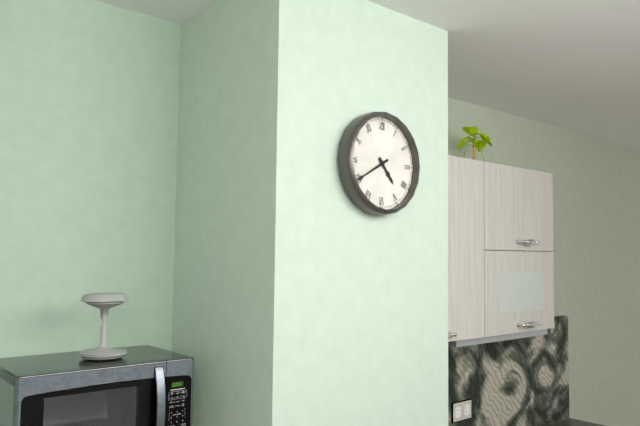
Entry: h=4 m=40
